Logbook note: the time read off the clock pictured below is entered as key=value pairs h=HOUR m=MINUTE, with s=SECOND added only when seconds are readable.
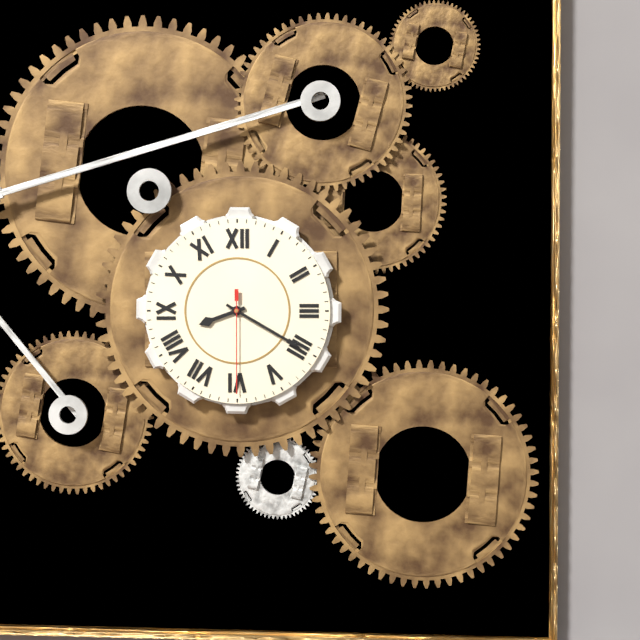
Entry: h=8 m=20 s=30
